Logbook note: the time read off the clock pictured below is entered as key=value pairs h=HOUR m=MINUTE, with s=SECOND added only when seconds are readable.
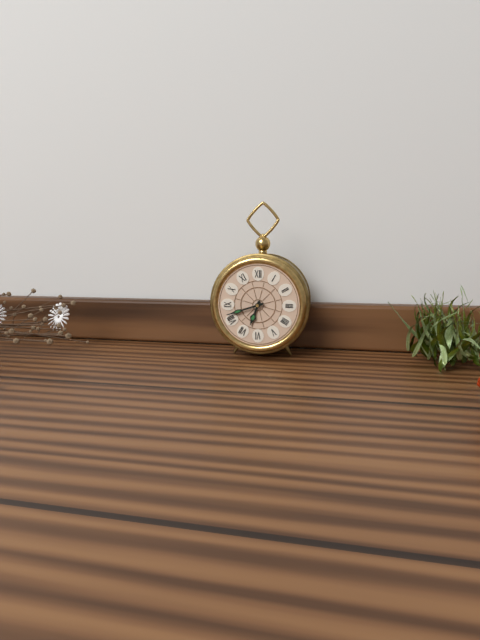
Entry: h=6 m=42
